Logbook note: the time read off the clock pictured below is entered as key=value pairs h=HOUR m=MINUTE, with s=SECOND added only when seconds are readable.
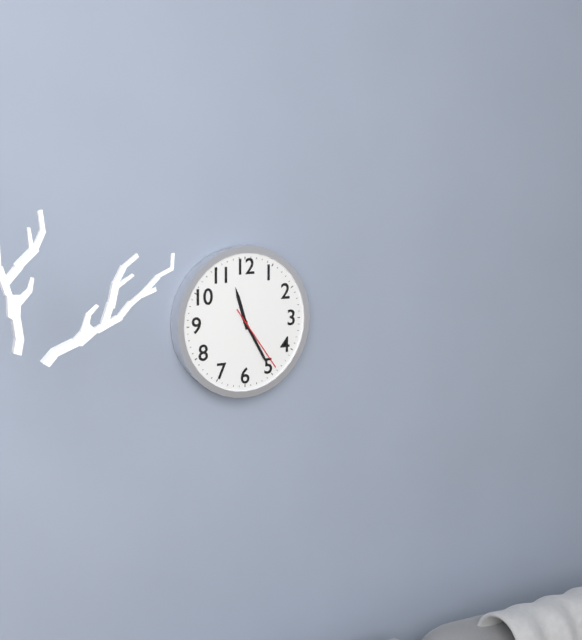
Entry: h=11 m=25 s=24
